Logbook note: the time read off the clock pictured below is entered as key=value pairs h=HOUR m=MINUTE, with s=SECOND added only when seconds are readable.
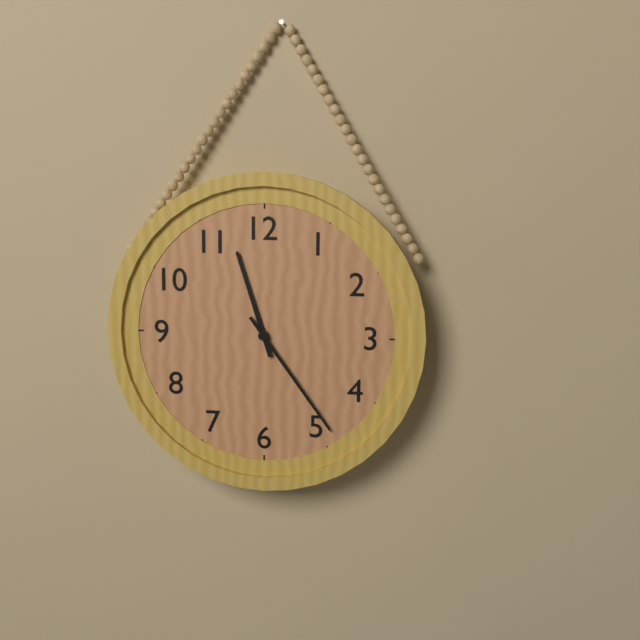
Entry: h=11 m=24
